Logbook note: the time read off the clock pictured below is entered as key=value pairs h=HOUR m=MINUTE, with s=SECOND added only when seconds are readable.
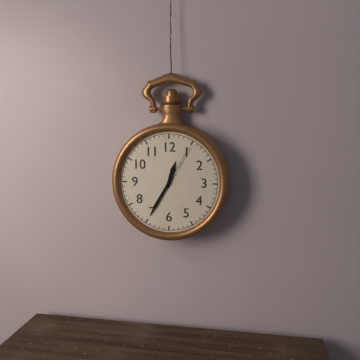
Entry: h=12 m=35 s=5
